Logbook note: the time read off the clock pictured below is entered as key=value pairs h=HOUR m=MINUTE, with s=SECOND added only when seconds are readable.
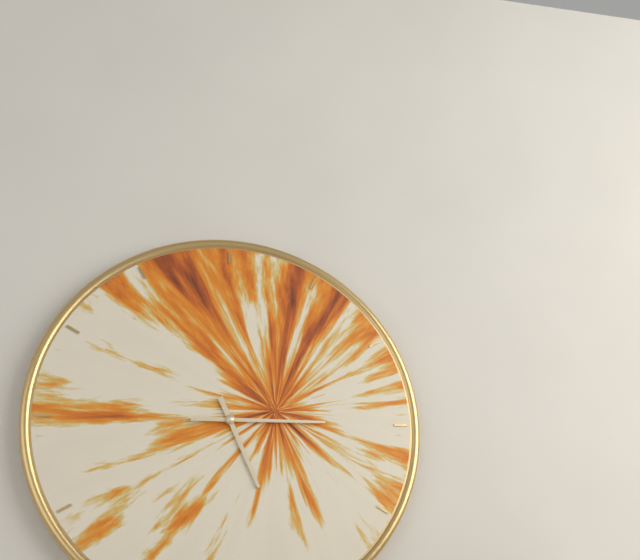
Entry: h=5 m=15
